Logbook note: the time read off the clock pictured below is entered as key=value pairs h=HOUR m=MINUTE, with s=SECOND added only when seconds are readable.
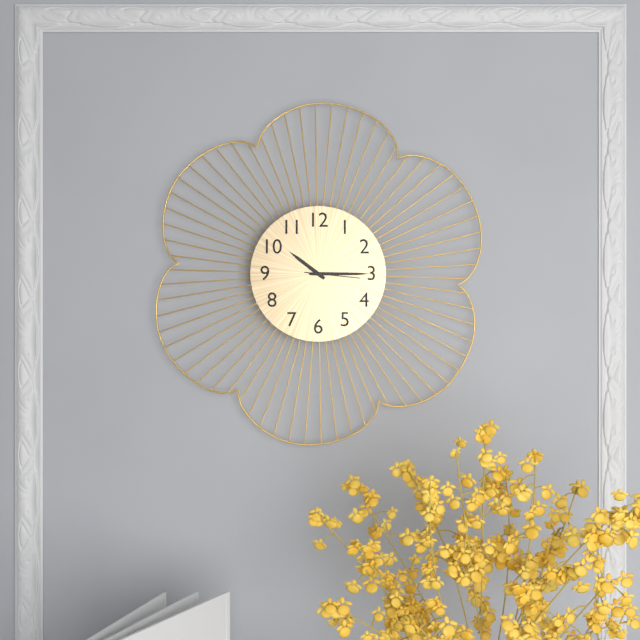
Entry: h=10 m=15 s=16
